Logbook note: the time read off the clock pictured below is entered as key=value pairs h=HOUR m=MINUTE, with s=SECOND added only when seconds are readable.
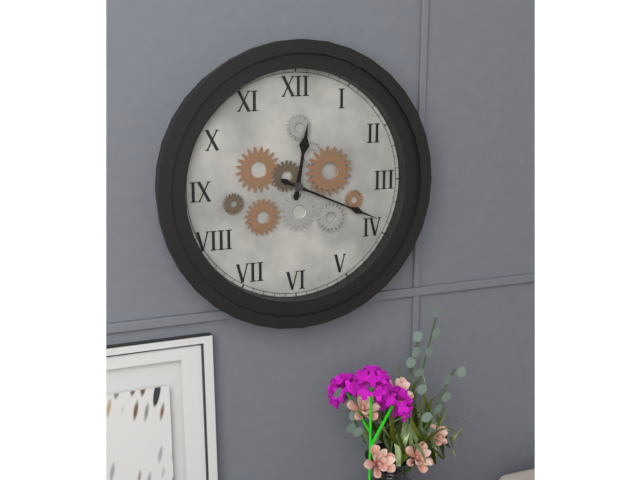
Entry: h=12 m=19
